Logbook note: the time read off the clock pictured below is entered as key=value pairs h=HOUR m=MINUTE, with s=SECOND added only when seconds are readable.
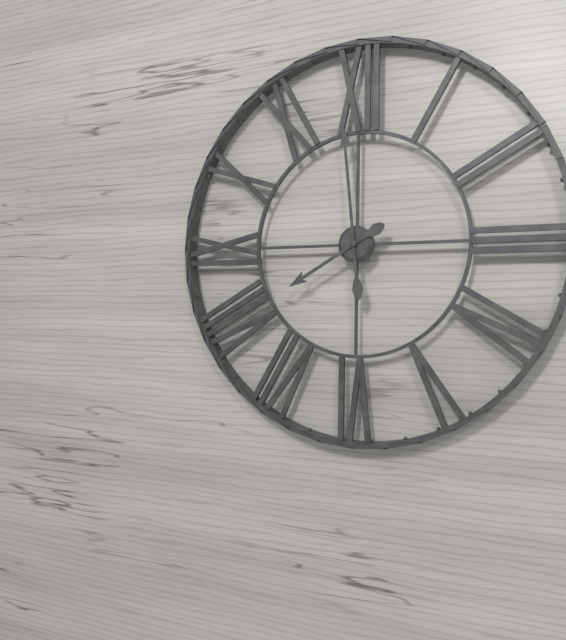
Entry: h=7 m=59
